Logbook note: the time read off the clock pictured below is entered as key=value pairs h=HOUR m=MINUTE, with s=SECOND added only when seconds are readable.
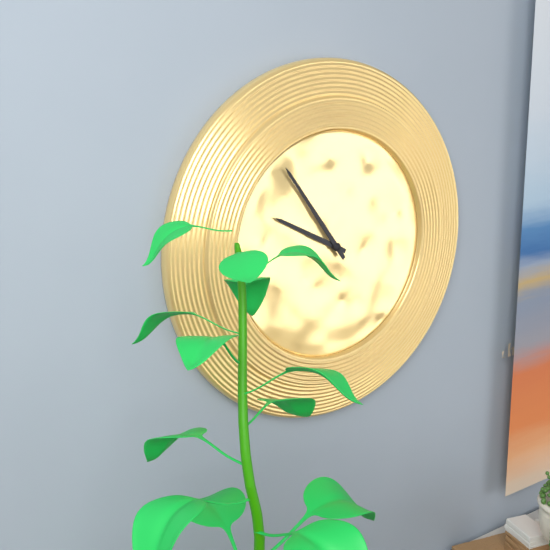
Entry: h=9 m=54
